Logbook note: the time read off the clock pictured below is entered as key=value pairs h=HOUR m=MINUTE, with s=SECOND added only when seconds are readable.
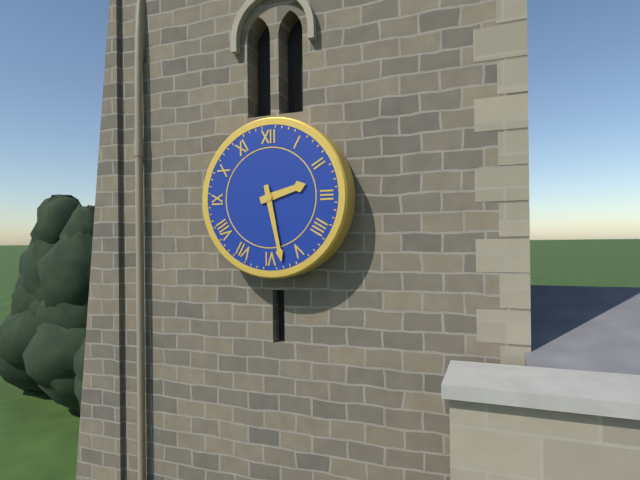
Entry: h=2 m=28
